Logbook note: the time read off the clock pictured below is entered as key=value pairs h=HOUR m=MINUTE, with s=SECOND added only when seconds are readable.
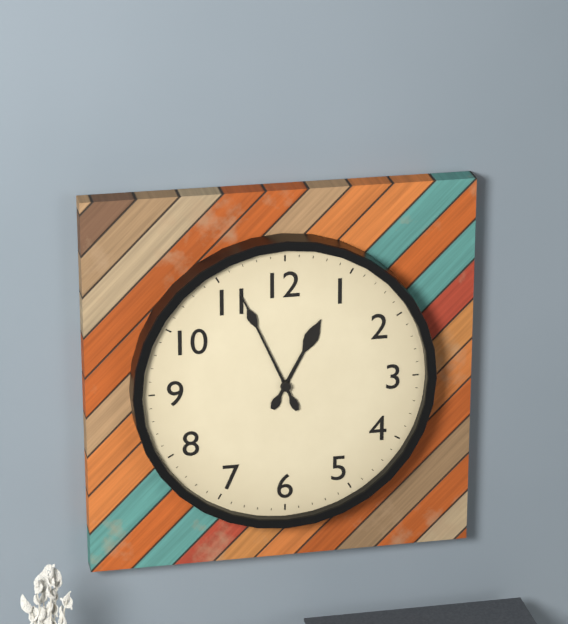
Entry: h=12 m=56
